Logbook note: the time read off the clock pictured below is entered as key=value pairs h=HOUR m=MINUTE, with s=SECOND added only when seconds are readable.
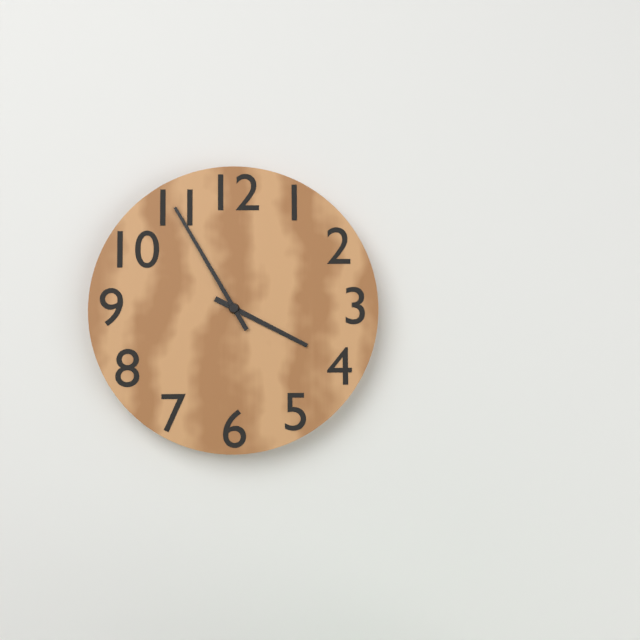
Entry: h=3 m=55
